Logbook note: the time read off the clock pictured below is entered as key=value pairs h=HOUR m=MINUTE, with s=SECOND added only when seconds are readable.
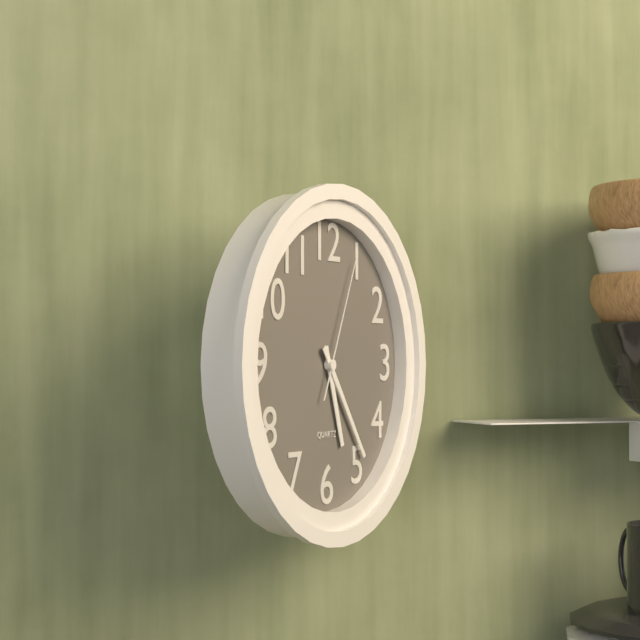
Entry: h=5 m=24 s=4
